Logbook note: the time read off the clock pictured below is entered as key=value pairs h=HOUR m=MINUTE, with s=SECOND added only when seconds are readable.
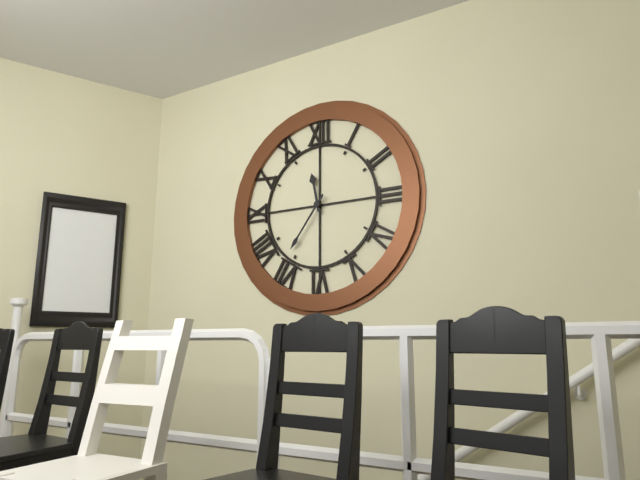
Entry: h=11 m=36
